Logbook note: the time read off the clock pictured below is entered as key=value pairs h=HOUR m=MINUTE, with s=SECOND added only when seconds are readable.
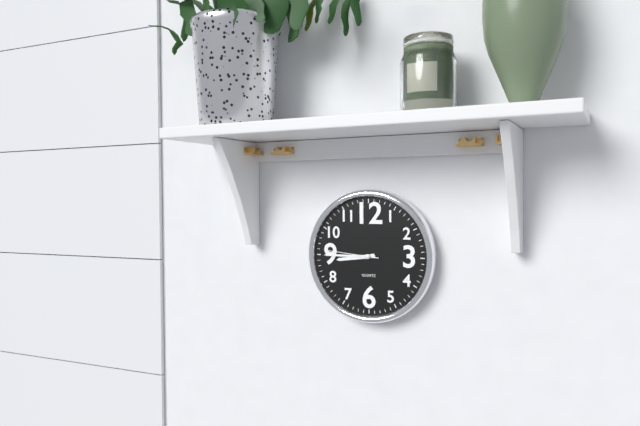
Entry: h=8 m=45 s=46
